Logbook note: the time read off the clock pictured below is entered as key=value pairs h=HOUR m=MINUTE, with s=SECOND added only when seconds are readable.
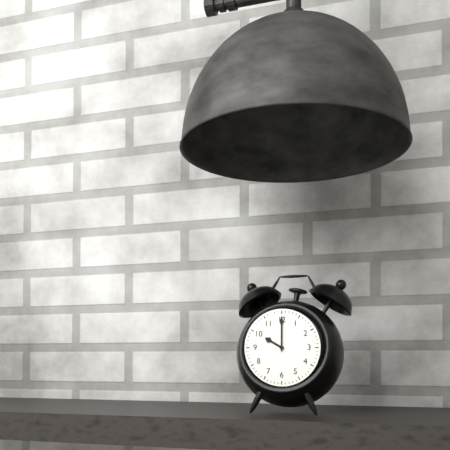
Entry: h=10 m=0
